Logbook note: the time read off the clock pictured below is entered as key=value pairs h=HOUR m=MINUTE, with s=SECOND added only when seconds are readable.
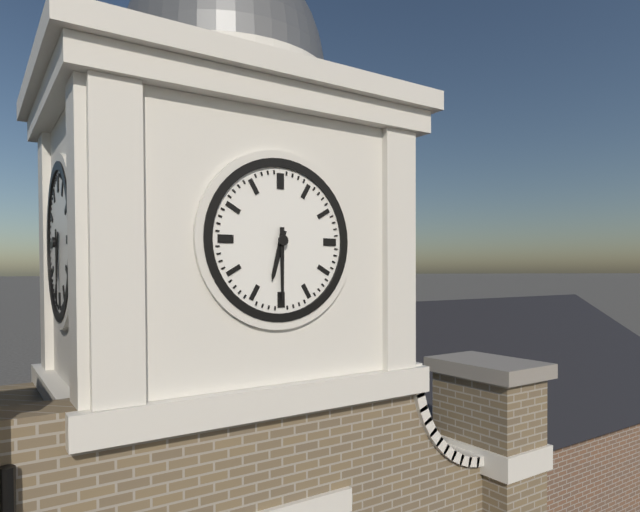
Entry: h=6 m=30
